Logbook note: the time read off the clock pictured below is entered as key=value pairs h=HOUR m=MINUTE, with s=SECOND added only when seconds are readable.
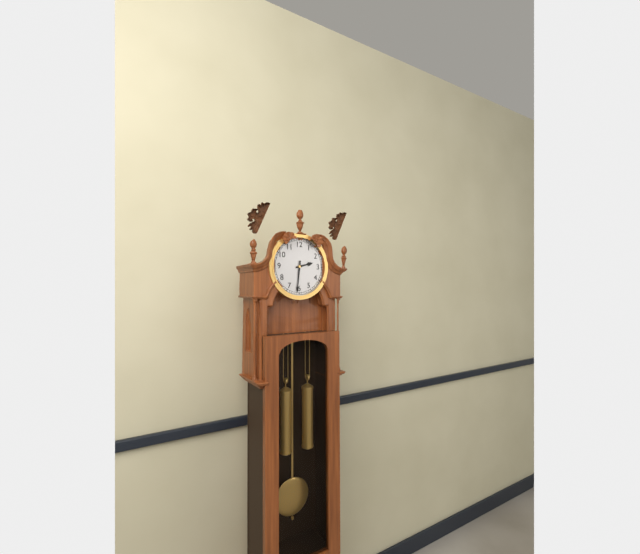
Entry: h=2 m=31
